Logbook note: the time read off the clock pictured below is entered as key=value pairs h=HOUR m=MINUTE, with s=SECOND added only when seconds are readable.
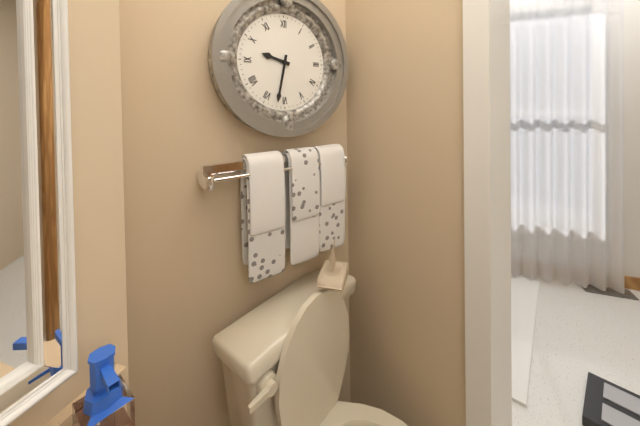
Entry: h=9 m=32
